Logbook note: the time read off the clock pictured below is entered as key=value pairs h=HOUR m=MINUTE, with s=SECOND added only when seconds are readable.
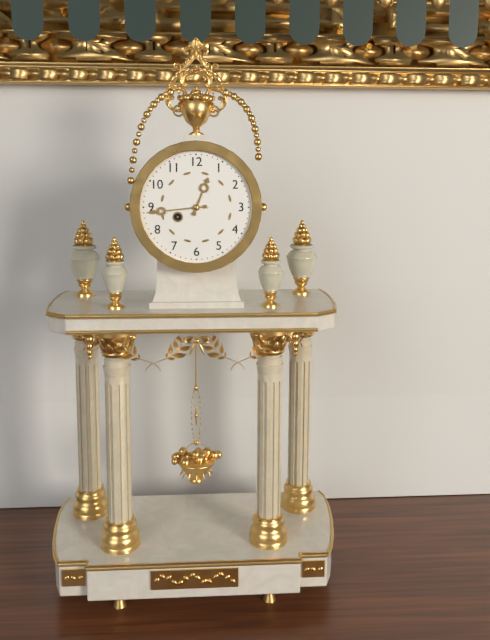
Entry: h=12 m=44
